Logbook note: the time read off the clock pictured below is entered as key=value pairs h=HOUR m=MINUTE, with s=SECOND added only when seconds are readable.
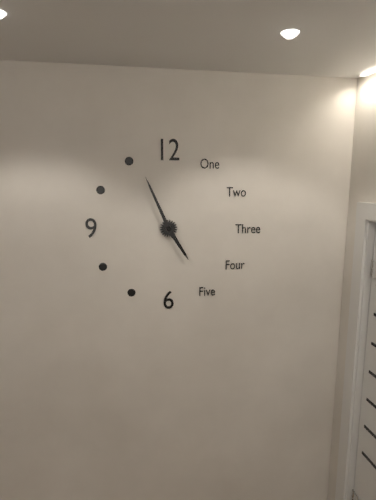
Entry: h=4 m=56
